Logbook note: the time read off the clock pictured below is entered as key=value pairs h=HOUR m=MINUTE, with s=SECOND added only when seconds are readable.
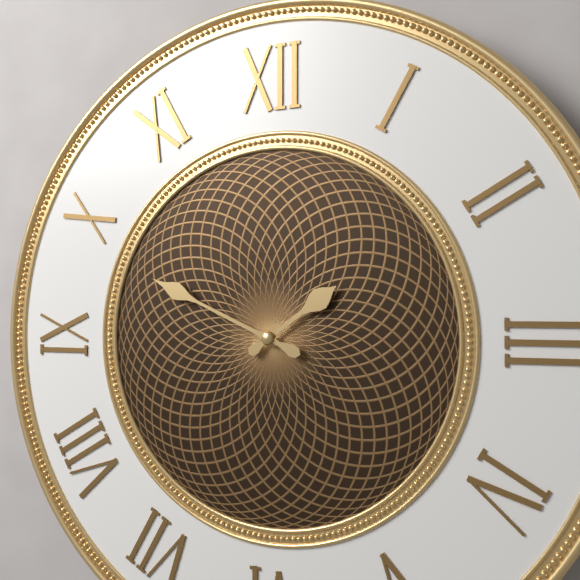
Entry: h=1 m=49
